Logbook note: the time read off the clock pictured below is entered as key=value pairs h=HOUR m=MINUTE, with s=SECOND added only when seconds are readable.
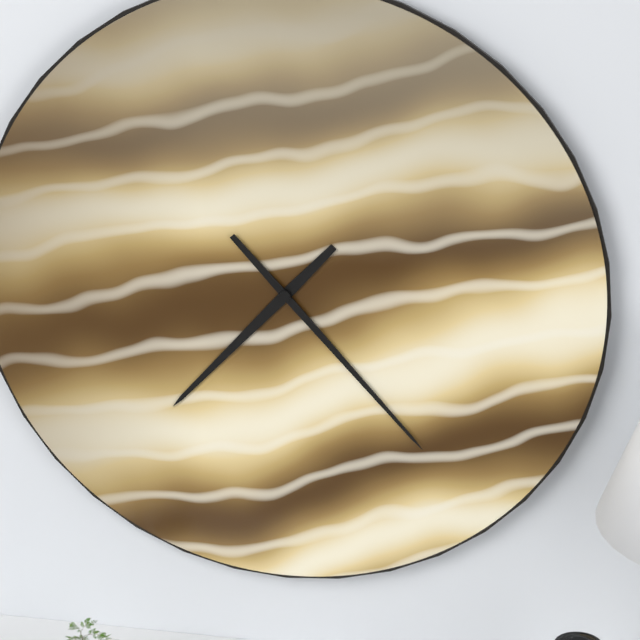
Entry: h=7 m=23
